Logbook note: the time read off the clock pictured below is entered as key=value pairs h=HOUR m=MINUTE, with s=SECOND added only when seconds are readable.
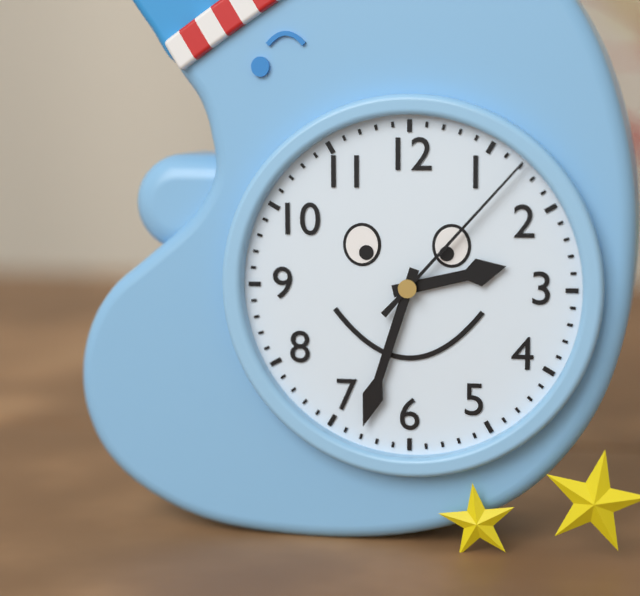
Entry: h=2 m=33 s=7
